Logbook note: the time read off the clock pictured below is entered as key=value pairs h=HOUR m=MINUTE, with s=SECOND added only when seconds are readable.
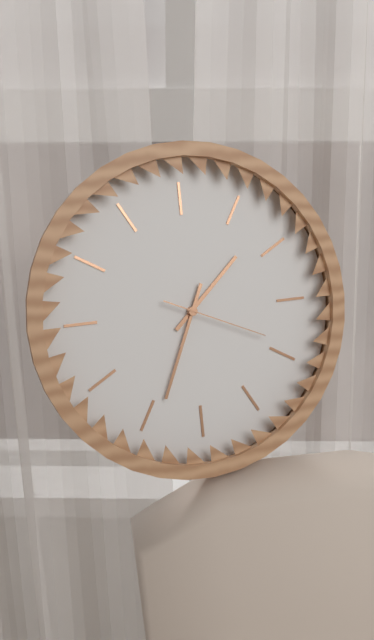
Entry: h=1 m=34 s=19
